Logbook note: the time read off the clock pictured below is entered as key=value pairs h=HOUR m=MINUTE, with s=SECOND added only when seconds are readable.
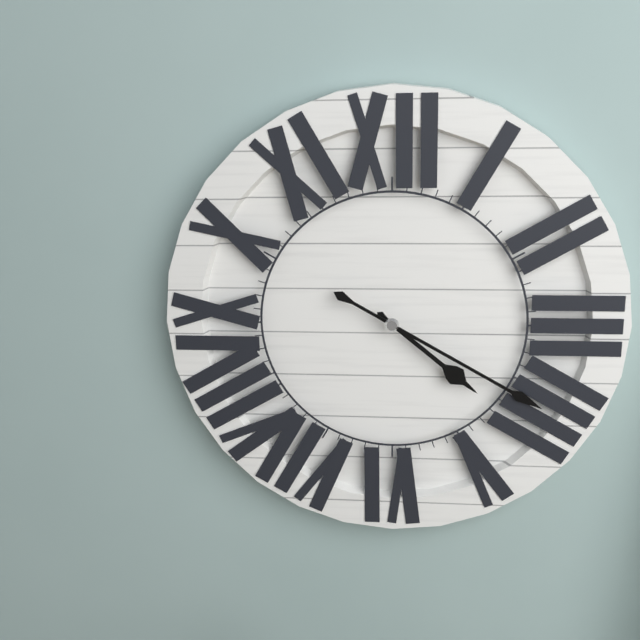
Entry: h=4 m=20
